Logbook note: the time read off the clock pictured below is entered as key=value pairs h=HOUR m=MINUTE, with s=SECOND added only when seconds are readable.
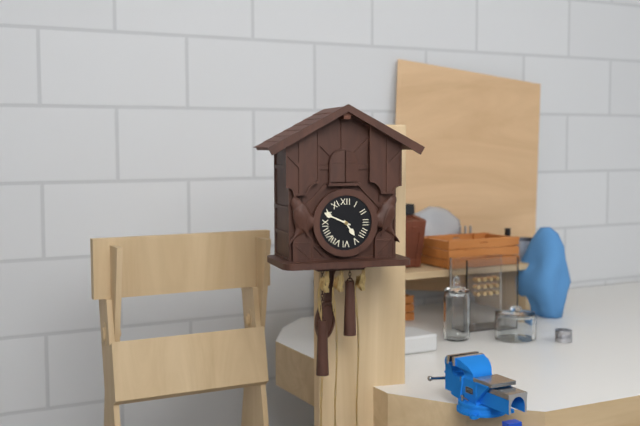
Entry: h=4 m=49
